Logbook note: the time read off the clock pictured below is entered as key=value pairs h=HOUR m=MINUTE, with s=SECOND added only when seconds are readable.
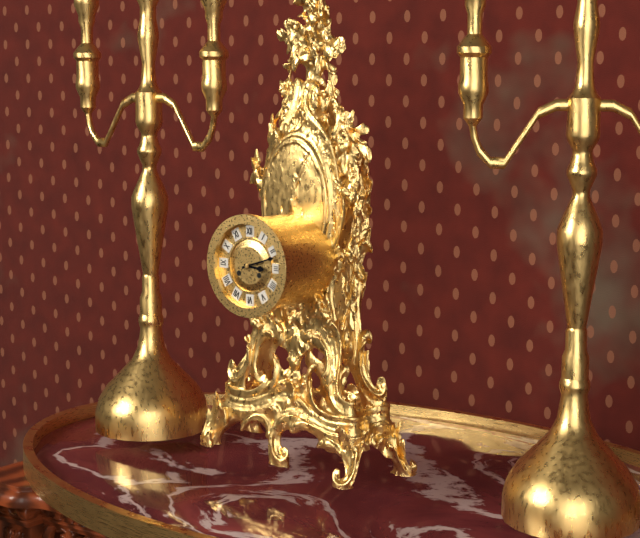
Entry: h=3 m=12
